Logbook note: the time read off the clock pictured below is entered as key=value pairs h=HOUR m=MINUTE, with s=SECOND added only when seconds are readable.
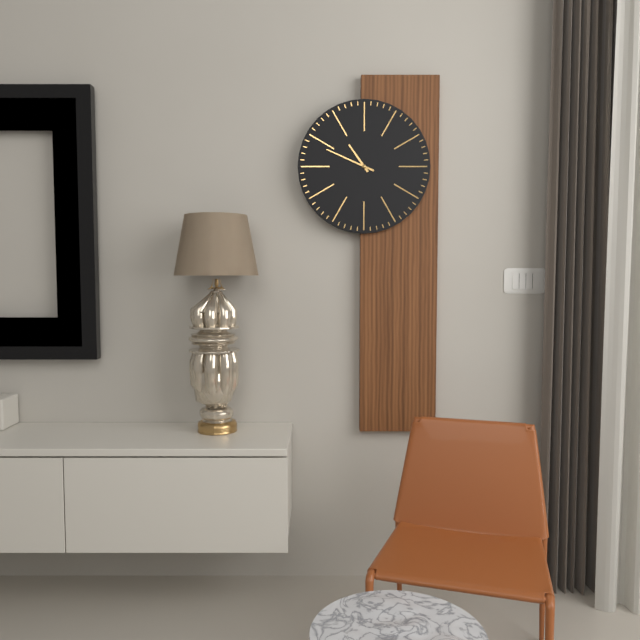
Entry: h=10 m=49
